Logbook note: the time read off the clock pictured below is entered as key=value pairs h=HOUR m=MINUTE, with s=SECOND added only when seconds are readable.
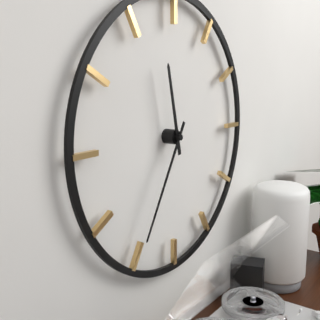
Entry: h=11 m=35
